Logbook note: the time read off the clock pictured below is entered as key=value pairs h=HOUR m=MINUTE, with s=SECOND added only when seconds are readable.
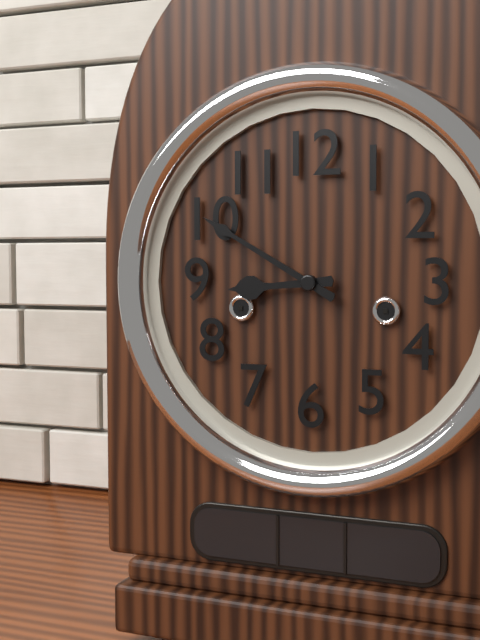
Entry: h=8 m=50
